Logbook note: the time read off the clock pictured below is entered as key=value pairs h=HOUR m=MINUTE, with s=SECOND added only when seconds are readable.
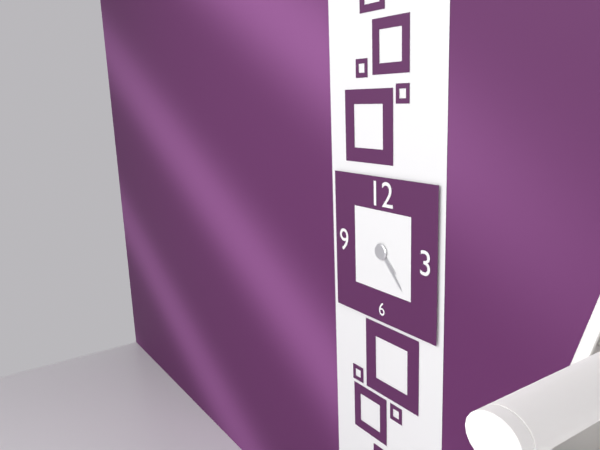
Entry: h=4 m=23
